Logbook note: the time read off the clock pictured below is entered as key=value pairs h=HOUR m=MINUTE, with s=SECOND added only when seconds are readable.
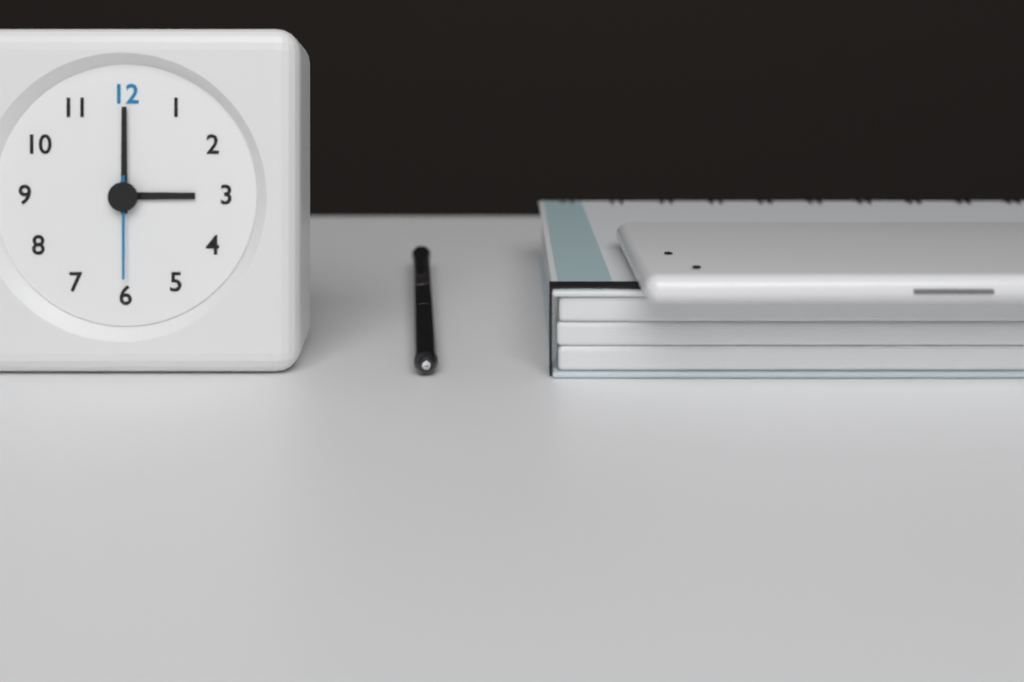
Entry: h=3 m=0 s=30
